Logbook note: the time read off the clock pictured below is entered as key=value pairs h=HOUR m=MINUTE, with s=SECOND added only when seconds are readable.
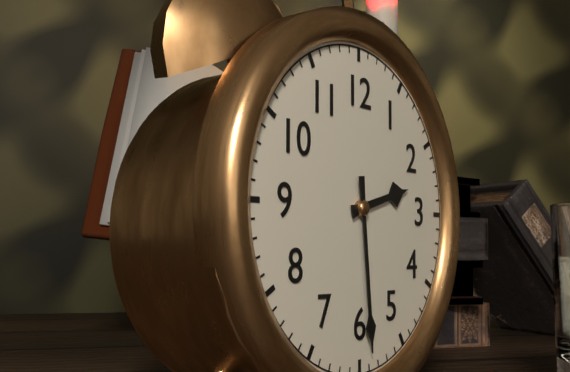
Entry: h=2 m=29
